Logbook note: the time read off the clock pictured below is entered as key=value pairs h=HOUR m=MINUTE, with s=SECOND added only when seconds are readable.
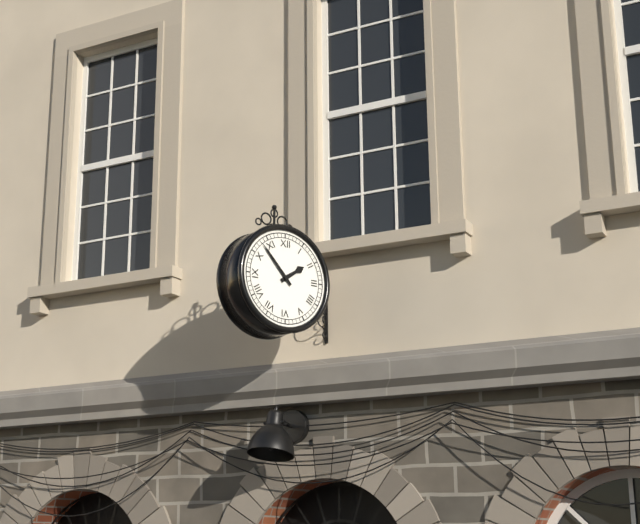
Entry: h=1 m=53
